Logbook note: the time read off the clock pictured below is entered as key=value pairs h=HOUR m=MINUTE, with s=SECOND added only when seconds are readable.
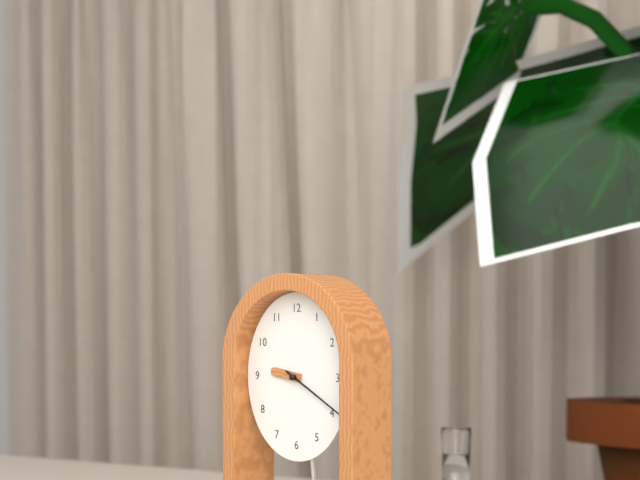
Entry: h=9 m=20
